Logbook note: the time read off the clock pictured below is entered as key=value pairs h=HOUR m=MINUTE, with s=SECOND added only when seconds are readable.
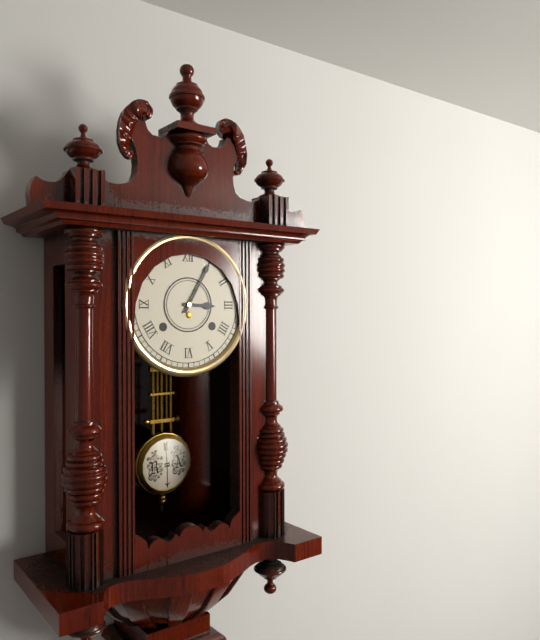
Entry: h=3 m=5
